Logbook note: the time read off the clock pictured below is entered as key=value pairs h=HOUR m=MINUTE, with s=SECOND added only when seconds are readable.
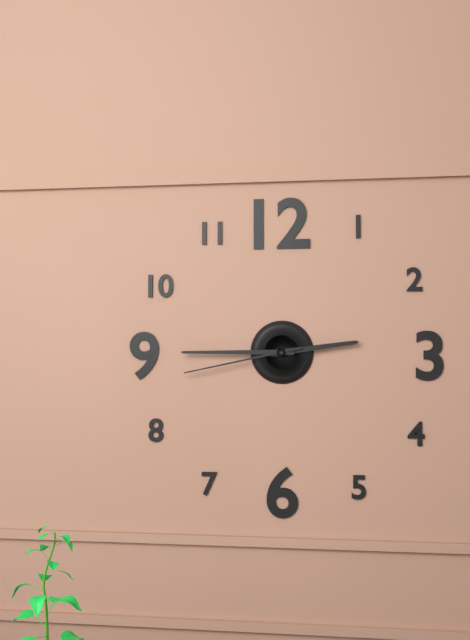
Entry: h=2 m=45 s=43
